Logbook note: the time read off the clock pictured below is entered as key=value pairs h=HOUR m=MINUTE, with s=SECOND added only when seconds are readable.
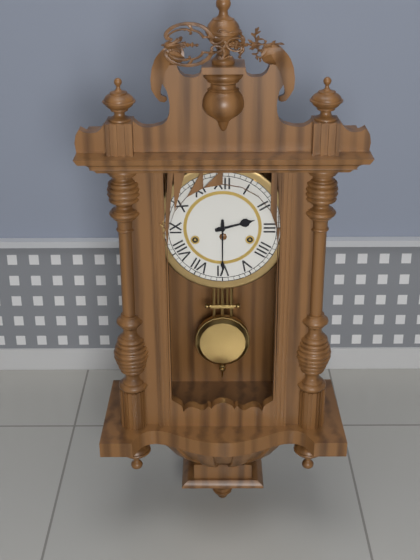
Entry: h=2 m=30
